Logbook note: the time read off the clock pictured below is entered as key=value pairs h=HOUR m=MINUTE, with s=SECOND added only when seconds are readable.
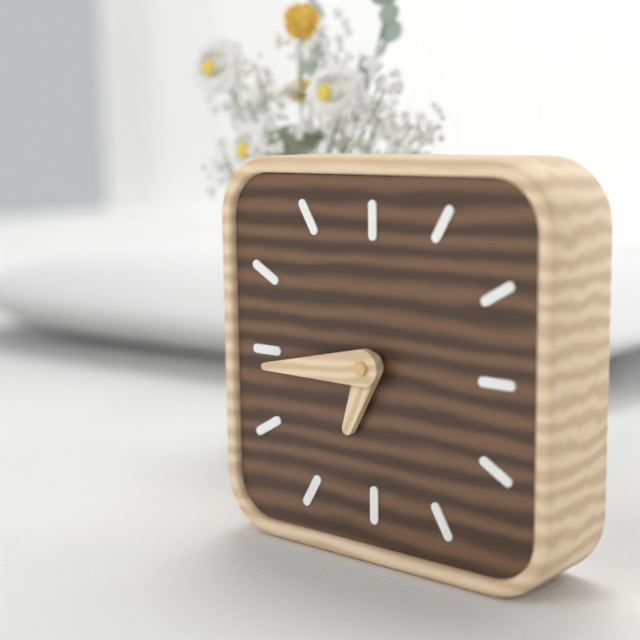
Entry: h=6 m=44
